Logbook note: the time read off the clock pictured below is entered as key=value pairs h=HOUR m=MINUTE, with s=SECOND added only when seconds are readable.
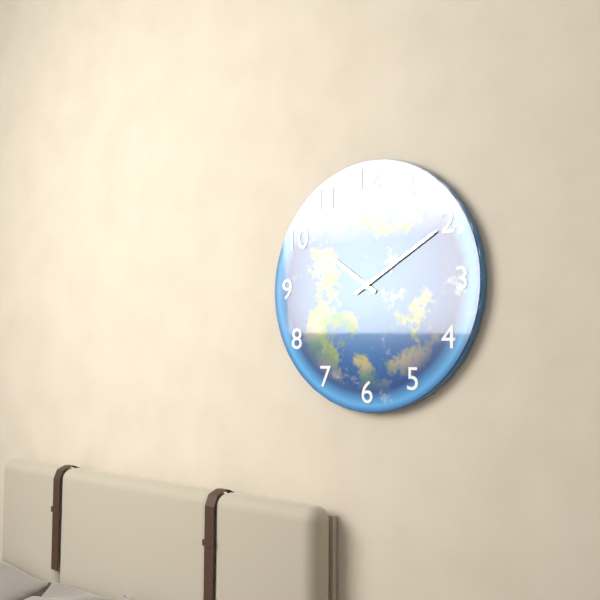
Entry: h=10 m=10
